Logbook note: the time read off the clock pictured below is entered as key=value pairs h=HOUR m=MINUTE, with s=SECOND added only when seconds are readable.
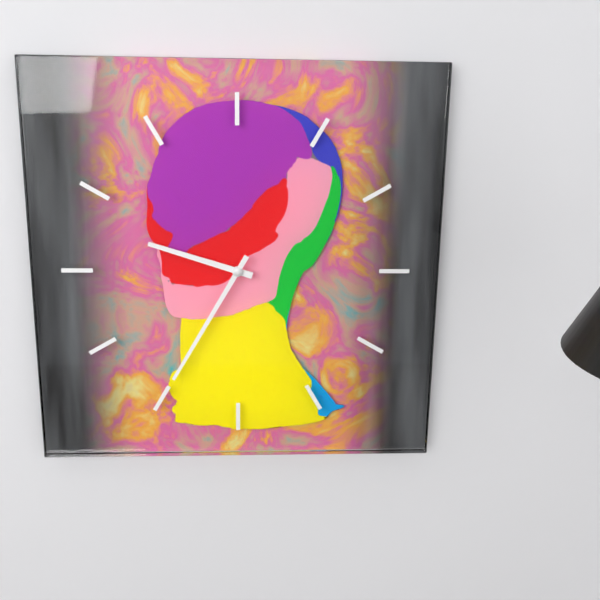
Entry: h=9 m=35
